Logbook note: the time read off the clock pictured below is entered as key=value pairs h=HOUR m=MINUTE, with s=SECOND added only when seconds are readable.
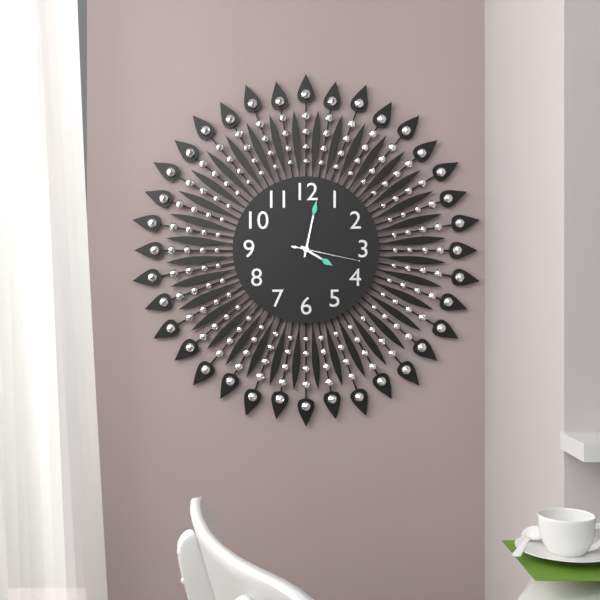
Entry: h=4 m=2 s=17
